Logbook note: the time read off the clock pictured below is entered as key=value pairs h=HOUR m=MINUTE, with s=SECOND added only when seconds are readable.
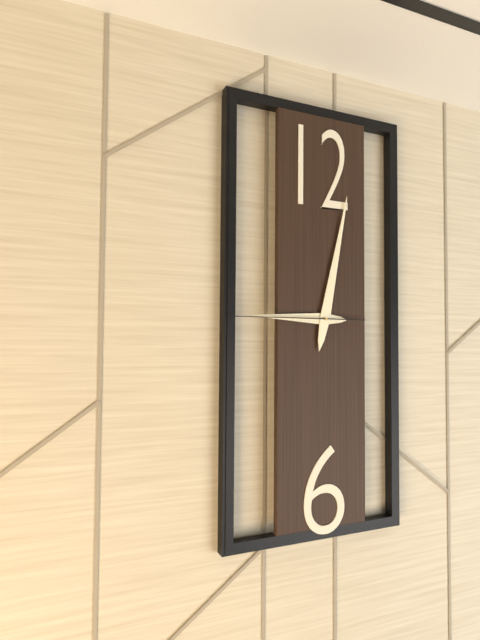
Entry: h=9 m=2 s=45
